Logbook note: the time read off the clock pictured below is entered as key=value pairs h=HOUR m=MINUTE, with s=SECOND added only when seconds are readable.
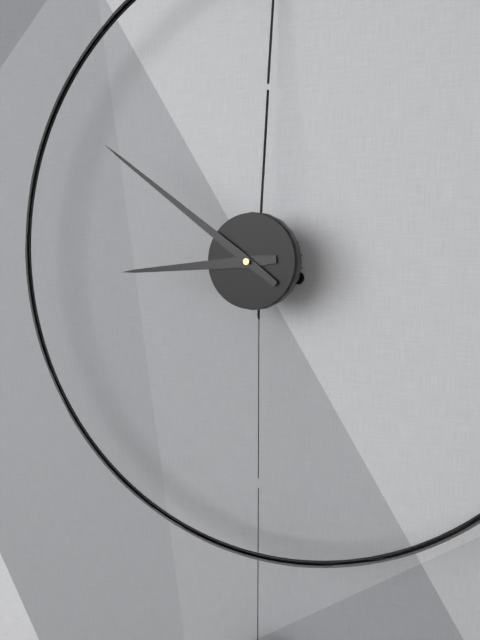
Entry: h=8 m=51
